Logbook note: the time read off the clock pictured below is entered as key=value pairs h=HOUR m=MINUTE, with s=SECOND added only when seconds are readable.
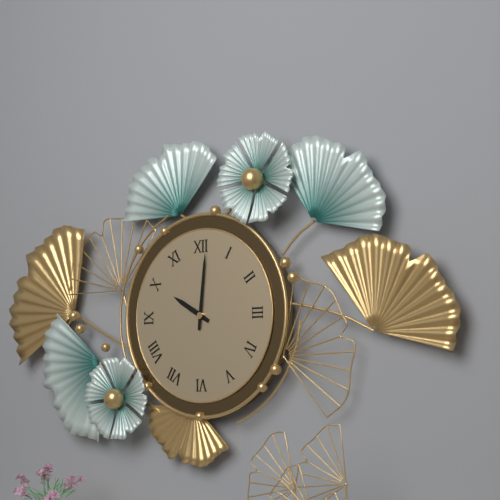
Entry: h=10 m=1
